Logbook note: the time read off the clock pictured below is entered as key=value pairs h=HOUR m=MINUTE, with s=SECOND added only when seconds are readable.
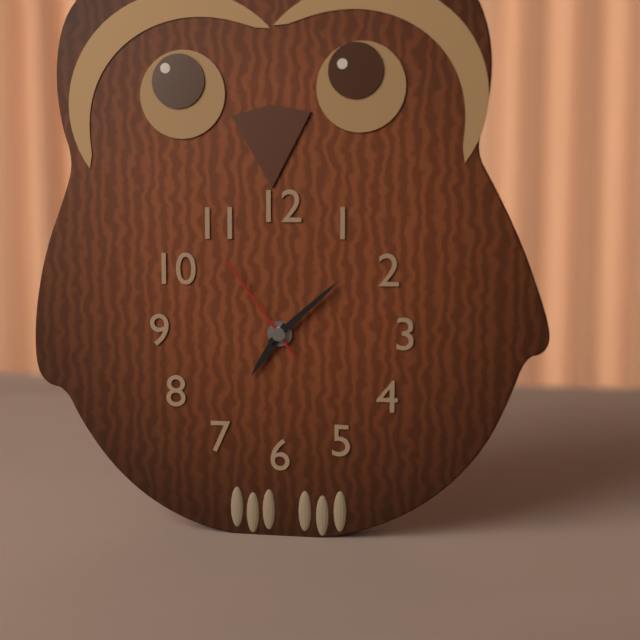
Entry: h=7 m=8 s=54
